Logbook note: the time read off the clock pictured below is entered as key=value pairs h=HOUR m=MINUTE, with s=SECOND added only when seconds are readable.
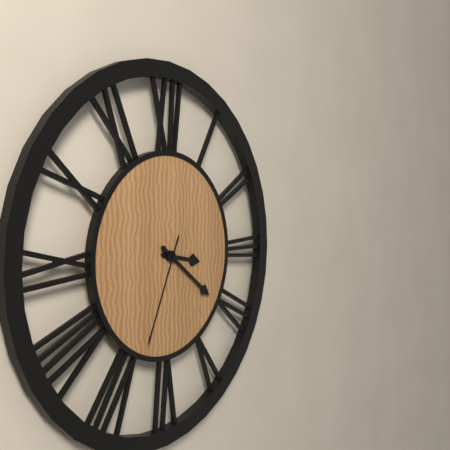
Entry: h=3 m=21 s=34
